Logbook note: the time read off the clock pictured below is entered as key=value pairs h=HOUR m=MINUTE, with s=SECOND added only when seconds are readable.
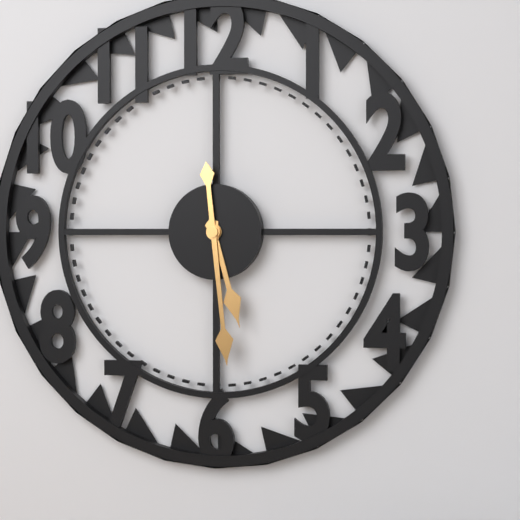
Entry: h=5 m=29
